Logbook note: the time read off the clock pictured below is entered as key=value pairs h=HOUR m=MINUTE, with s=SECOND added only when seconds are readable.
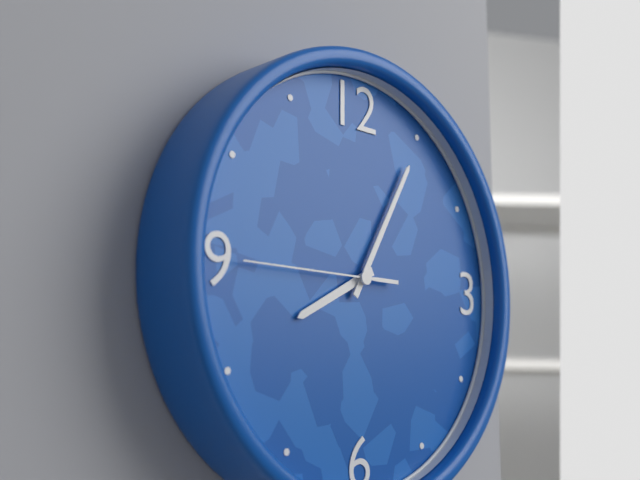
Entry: h=8 m=5 s=45
